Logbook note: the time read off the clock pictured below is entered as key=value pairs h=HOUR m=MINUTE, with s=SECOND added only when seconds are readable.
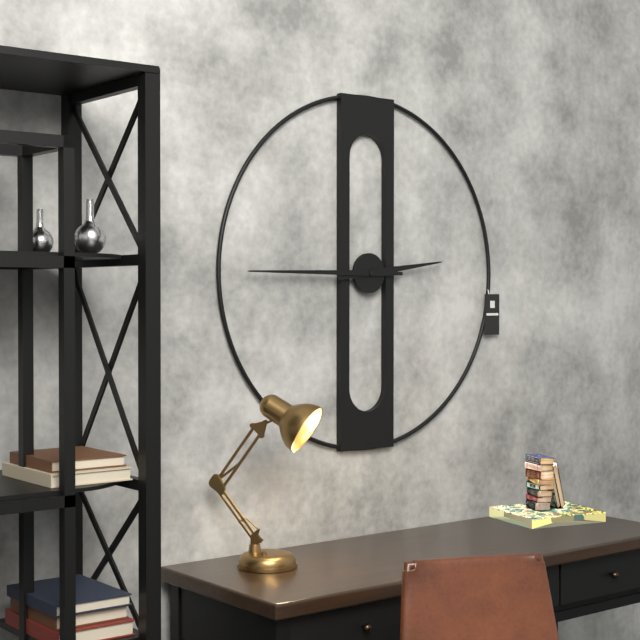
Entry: h=2 m=45
